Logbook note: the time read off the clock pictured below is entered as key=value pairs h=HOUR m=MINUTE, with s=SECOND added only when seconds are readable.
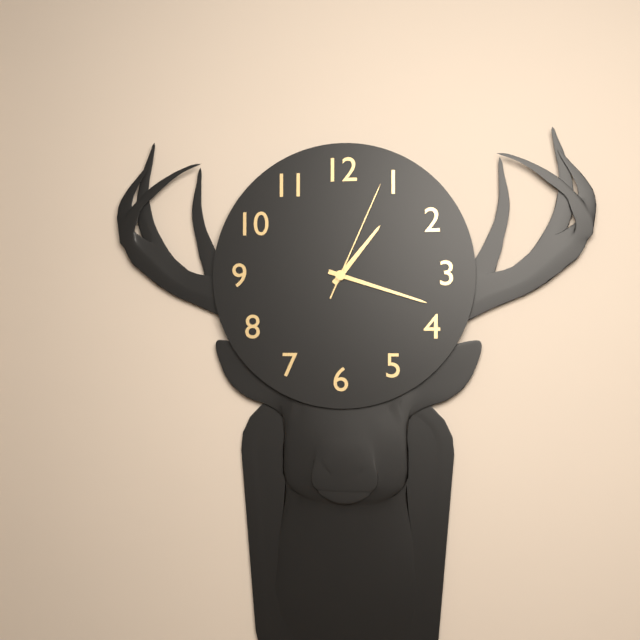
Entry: h=1 m=18 s=4
